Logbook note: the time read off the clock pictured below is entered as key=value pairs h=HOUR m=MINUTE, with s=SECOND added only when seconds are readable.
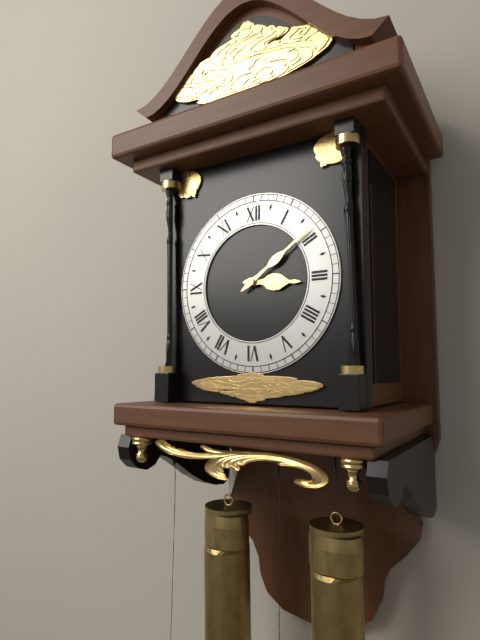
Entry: h=3 m=9
